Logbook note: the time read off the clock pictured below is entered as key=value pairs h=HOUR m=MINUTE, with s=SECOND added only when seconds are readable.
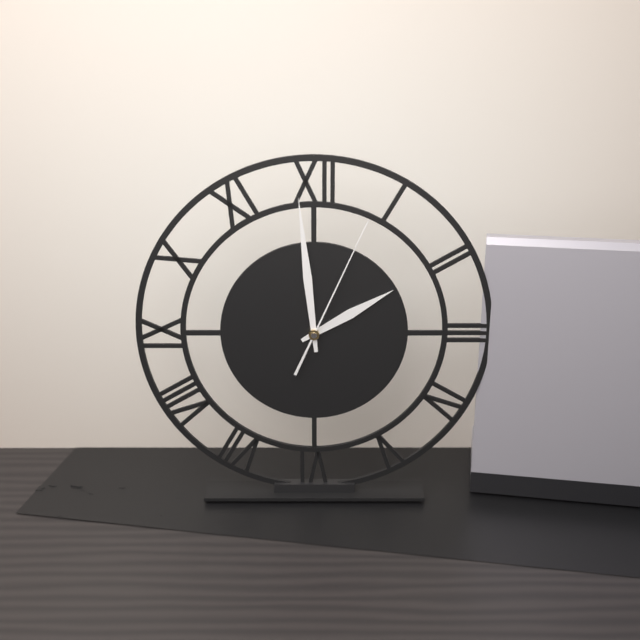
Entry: h=1 m=59 s=4
